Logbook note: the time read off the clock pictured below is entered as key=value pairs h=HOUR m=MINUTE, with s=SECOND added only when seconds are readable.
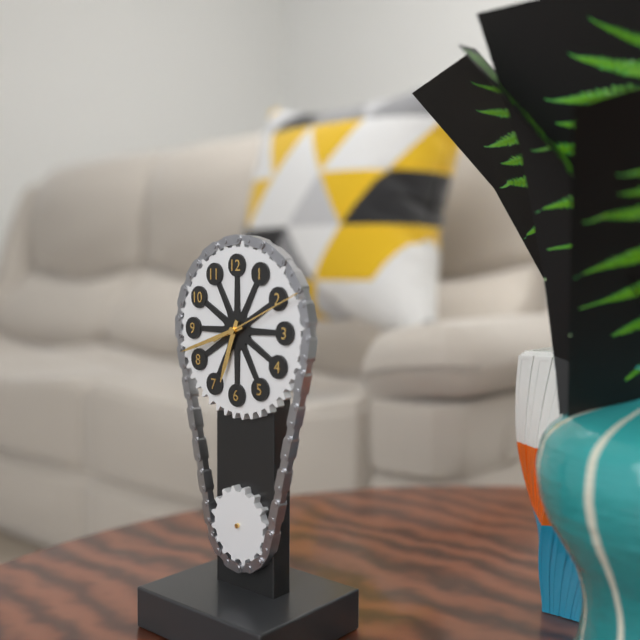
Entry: h=6 m=42 s=11
